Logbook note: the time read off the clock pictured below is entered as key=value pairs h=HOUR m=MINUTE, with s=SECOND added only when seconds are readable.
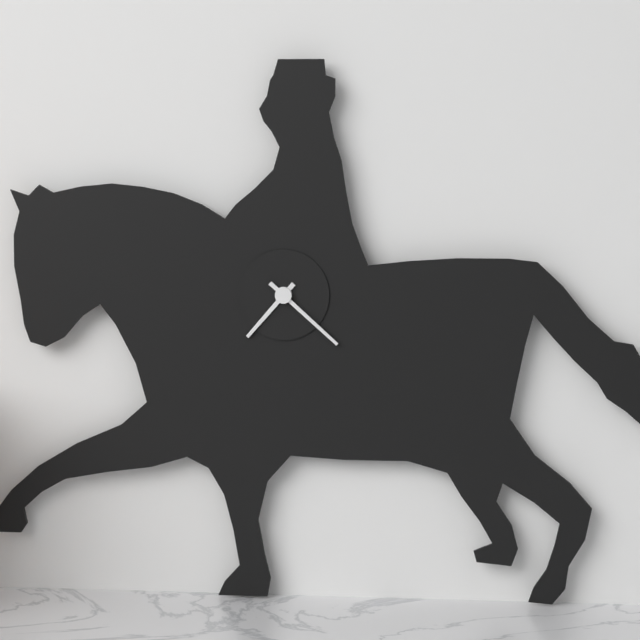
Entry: h=7 m=22
